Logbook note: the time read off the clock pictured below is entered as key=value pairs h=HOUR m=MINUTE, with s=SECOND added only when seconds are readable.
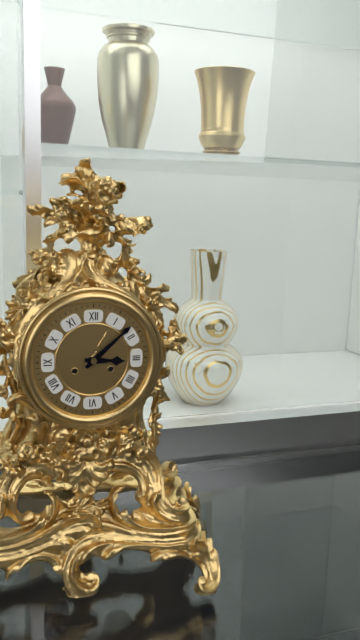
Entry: h=3 m=8
